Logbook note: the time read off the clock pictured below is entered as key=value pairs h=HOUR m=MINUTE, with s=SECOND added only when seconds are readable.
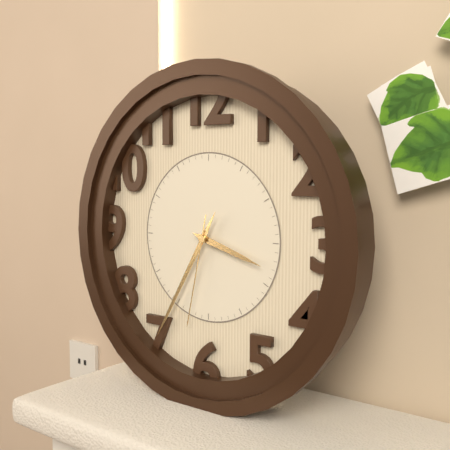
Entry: h=3 m=35 s=32
